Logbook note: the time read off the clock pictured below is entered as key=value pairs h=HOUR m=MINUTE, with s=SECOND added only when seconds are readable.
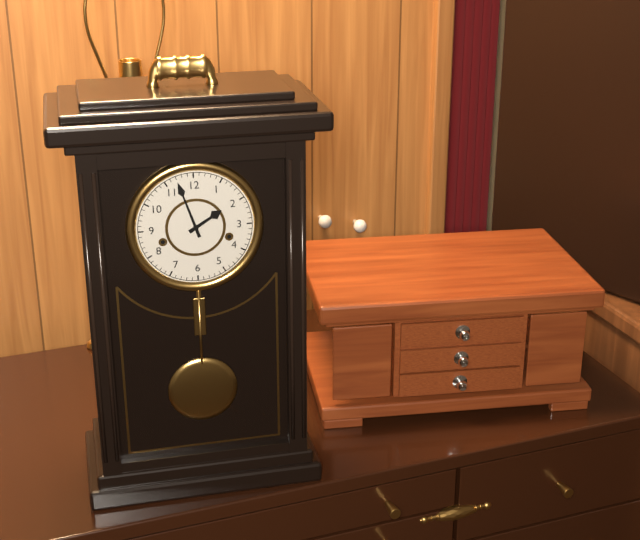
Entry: h=1 m=57
